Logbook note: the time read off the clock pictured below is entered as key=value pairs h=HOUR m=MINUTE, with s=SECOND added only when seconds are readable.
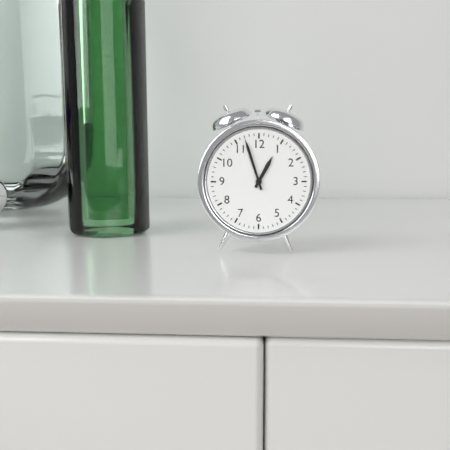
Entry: h=12 m=57
